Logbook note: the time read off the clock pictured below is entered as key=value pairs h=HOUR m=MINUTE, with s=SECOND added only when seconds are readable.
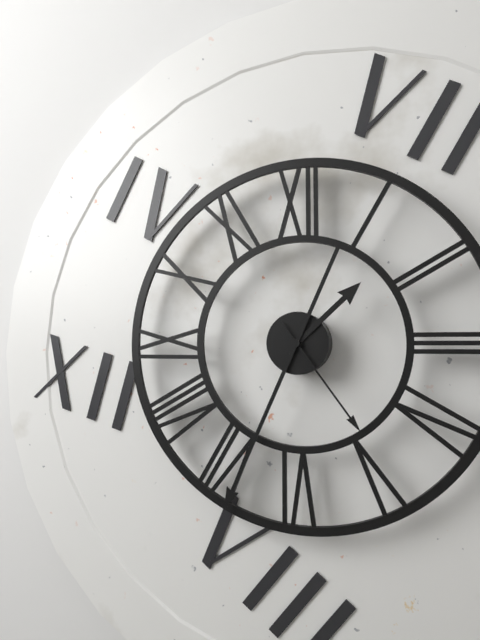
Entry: h=1 m=34 s=24
